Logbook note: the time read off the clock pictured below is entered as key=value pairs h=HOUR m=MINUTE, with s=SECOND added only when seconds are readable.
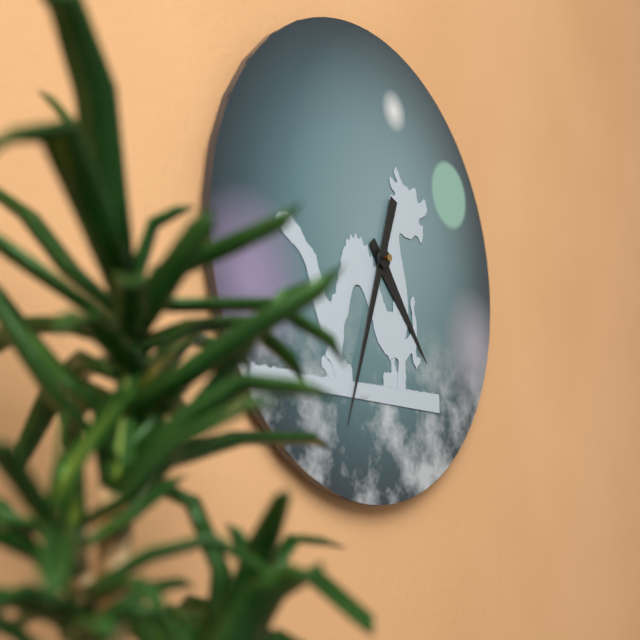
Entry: h=4 m=33
